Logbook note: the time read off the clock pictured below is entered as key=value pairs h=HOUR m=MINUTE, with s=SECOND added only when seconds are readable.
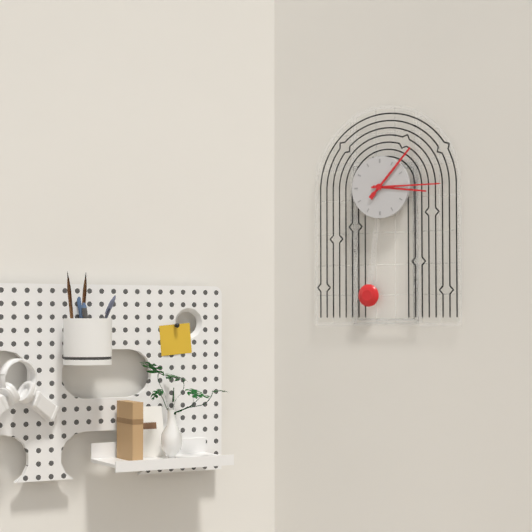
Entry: h=3 m=15 s=7
